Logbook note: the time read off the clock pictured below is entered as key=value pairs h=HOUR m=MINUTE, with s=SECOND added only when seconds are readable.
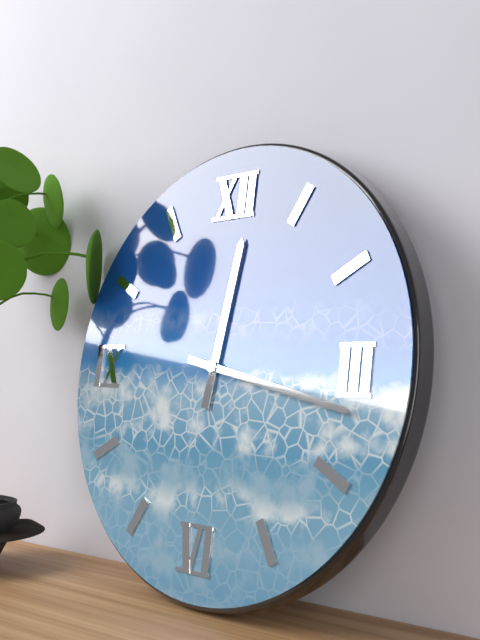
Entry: h=12 m=17
